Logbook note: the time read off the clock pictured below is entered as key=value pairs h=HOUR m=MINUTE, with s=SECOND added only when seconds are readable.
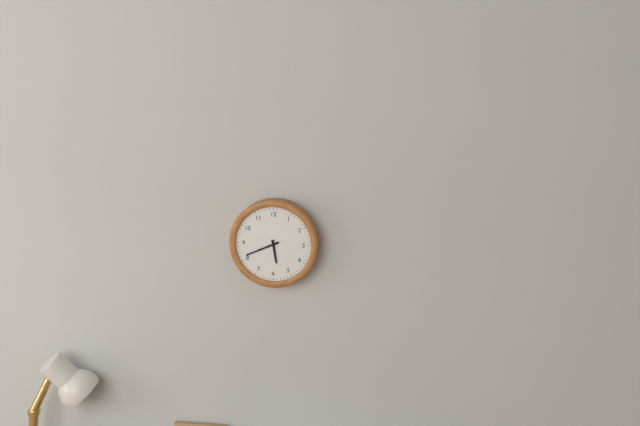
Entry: h=5 m=41
